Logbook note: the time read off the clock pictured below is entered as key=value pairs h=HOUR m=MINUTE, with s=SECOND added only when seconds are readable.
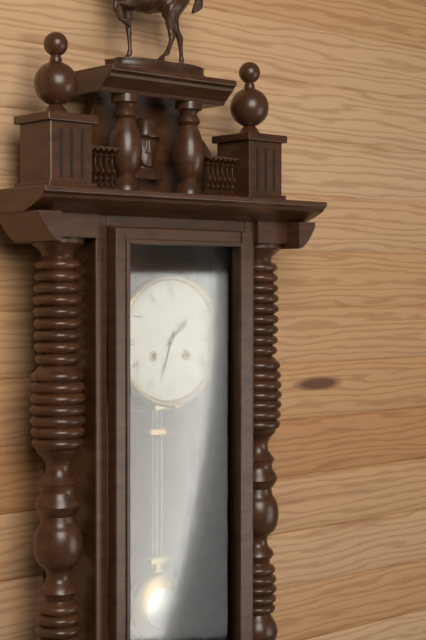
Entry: h=1 m=33
